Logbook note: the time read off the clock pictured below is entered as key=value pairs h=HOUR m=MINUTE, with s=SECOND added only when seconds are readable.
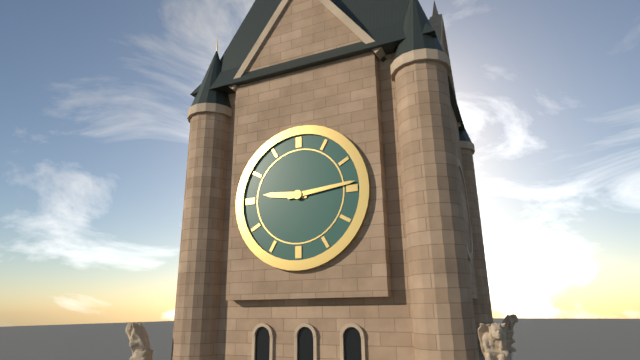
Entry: h=9 m=14
